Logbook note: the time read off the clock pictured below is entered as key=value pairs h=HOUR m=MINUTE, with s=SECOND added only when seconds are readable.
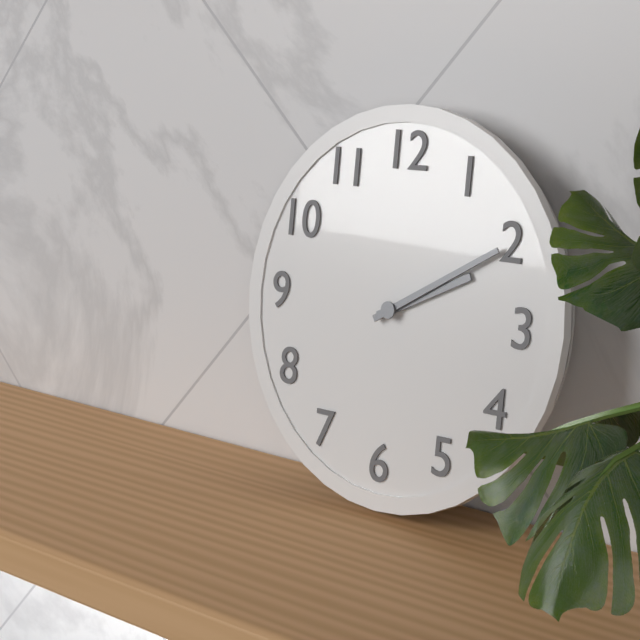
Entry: h=2 m=10
